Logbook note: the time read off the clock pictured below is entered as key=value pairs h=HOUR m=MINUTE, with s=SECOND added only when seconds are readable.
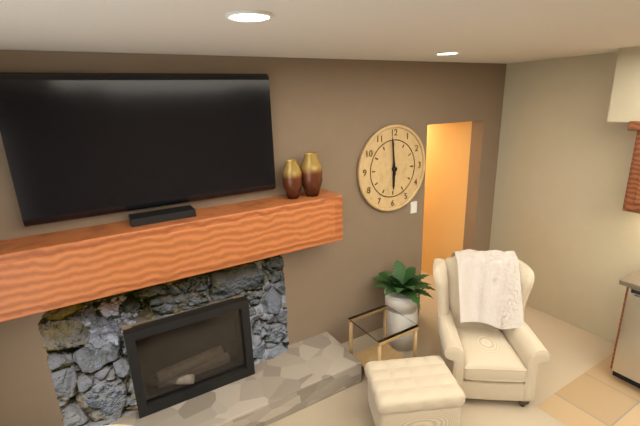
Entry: h=5 m=59
